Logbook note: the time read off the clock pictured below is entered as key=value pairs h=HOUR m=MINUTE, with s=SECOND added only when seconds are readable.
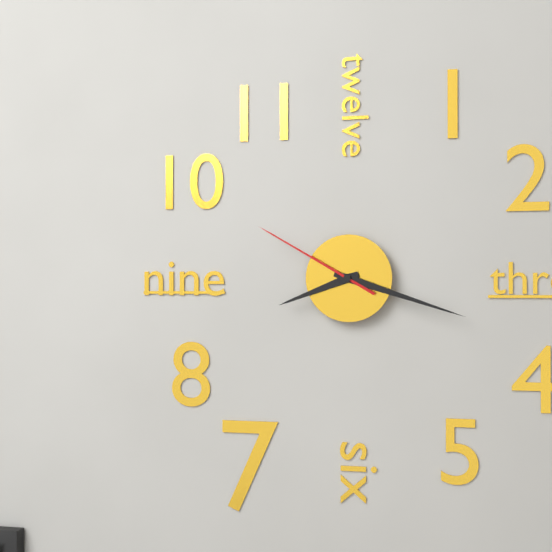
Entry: h=8 m=18 s=50
